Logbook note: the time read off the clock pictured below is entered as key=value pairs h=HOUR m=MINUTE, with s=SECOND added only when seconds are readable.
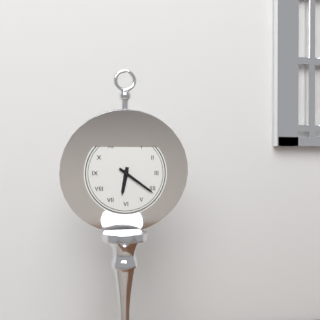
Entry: h=6 m=21
